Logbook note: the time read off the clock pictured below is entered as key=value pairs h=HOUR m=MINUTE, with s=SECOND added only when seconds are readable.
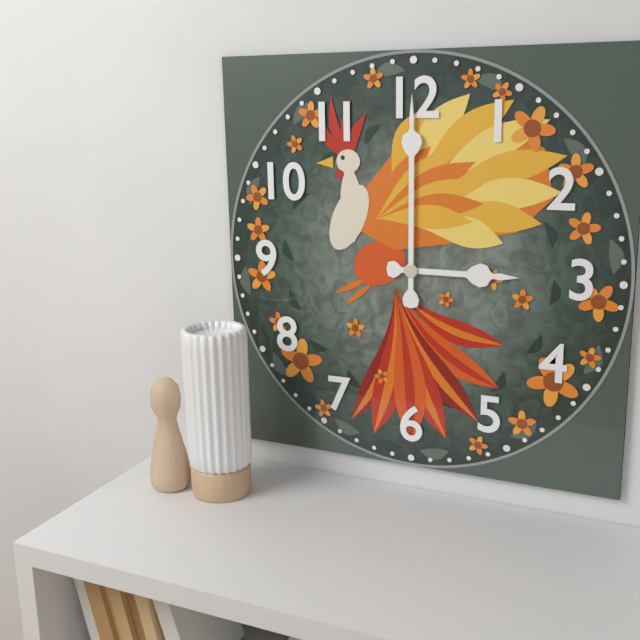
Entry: h=3 m=0
